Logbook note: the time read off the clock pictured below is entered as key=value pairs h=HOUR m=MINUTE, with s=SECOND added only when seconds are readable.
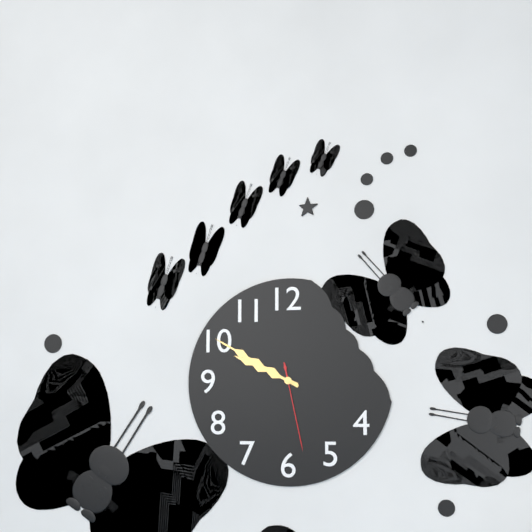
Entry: h=9 m=50 s=28
